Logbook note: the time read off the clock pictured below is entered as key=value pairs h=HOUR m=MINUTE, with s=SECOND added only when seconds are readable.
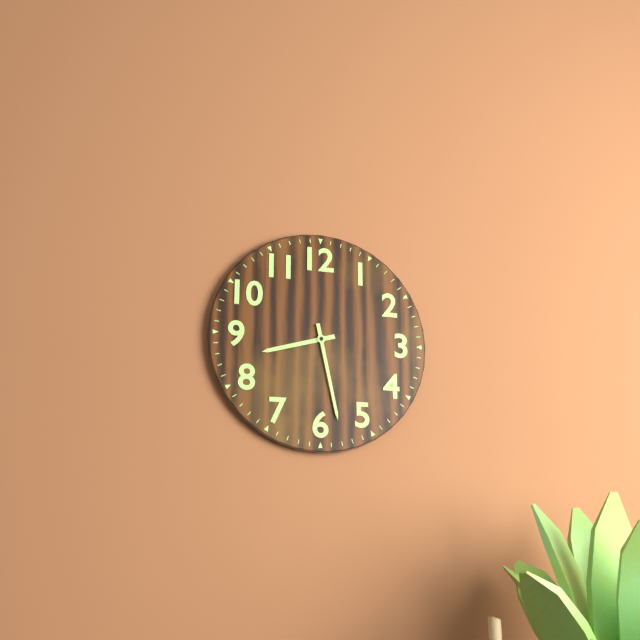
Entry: h=8 m=28
